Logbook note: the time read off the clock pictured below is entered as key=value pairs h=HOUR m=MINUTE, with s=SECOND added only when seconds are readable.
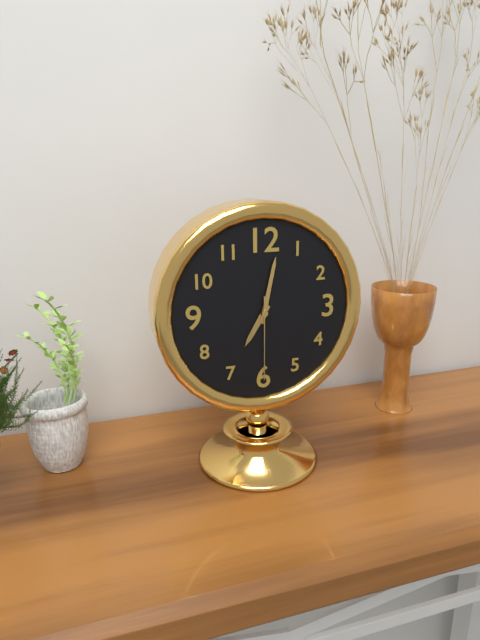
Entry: h=7 m=2 s=30
